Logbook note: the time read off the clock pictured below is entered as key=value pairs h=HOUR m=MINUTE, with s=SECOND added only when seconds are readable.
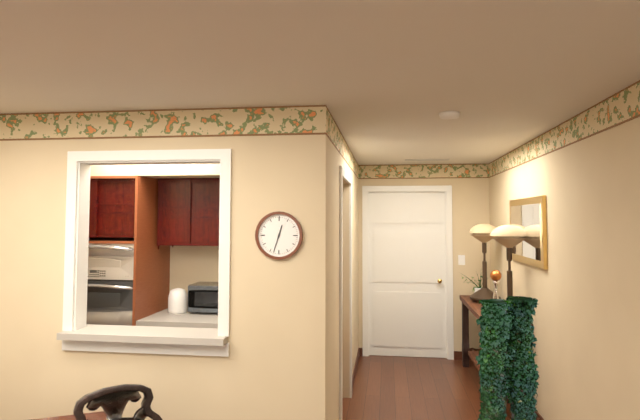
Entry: h=12 m=33
